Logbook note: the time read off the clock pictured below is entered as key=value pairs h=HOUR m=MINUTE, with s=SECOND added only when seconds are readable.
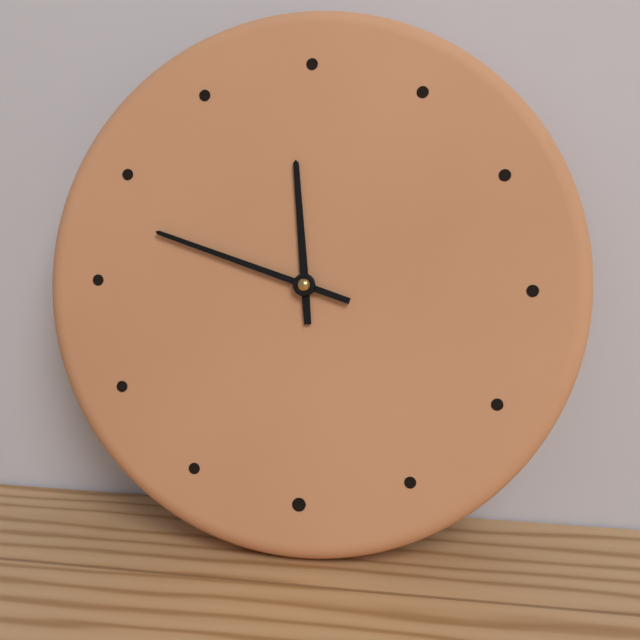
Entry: h=11 m=48
